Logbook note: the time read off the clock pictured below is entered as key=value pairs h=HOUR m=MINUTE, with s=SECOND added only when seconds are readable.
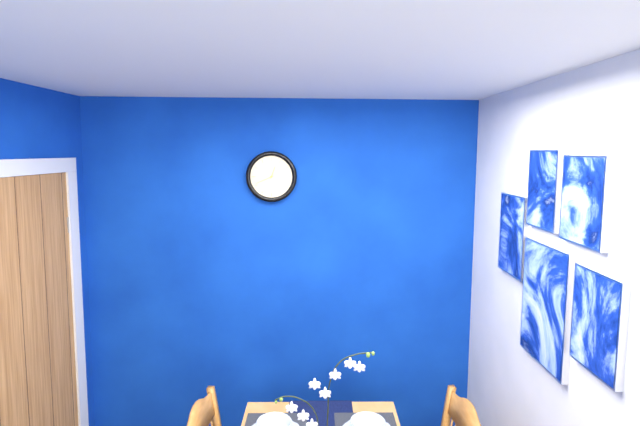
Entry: h=12 m=41
